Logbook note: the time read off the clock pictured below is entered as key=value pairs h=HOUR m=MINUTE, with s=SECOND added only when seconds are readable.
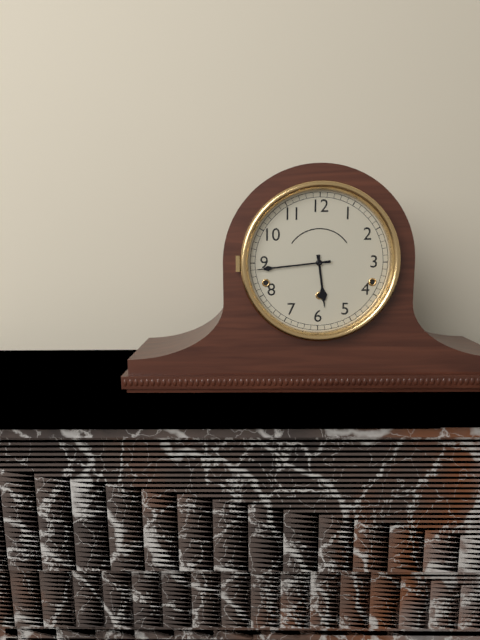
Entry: h=5 m=44
